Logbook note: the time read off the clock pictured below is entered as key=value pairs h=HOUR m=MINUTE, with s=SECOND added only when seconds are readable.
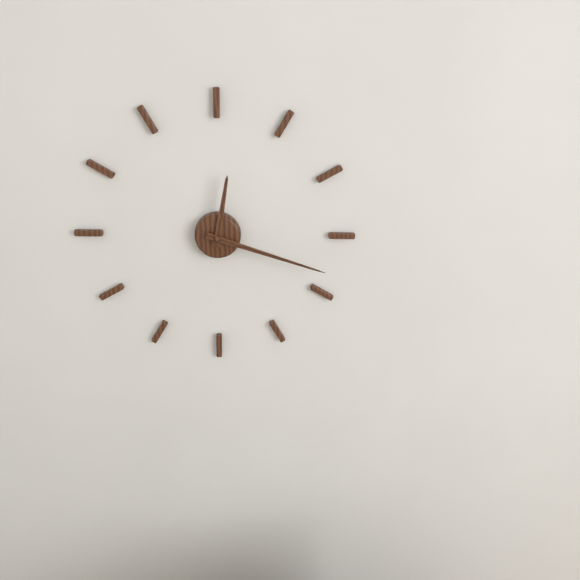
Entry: h=12 m=18
